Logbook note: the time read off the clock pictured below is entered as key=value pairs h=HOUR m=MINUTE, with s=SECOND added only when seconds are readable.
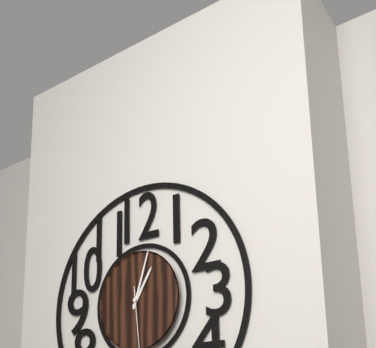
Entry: h=1 m=3
